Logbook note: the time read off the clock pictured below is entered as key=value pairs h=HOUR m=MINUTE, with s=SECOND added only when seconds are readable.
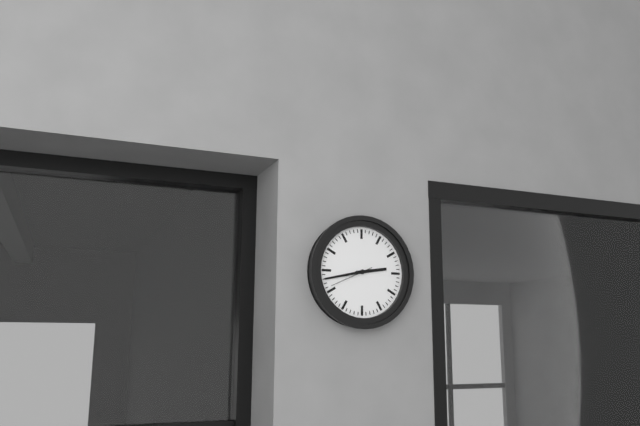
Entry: h=2 m=43
